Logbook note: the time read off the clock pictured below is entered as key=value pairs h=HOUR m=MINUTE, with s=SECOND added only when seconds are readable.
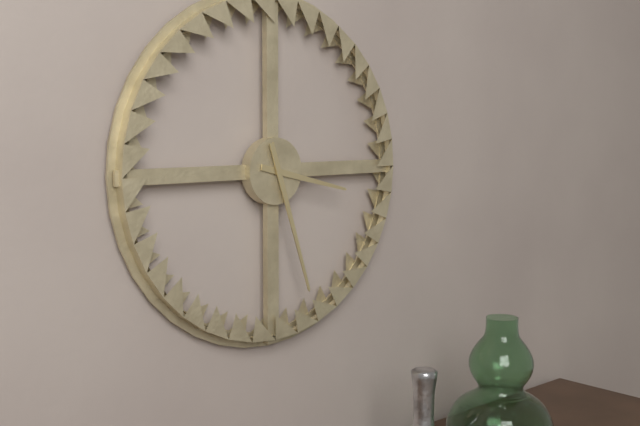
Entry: h=3 m=27
